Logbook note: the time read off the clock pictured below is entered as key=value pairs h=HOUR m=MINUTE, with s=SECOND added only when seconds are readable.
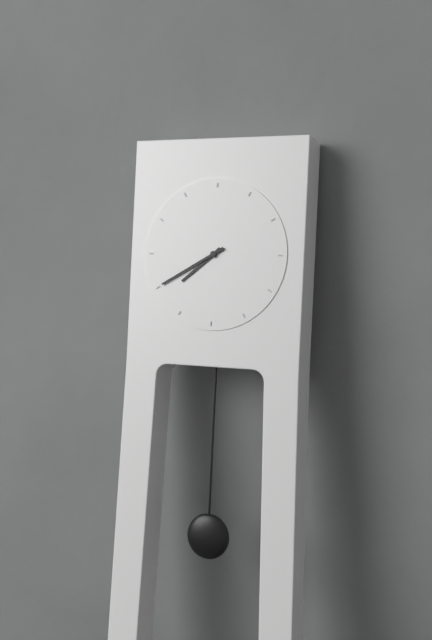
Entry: h=7 m=40
